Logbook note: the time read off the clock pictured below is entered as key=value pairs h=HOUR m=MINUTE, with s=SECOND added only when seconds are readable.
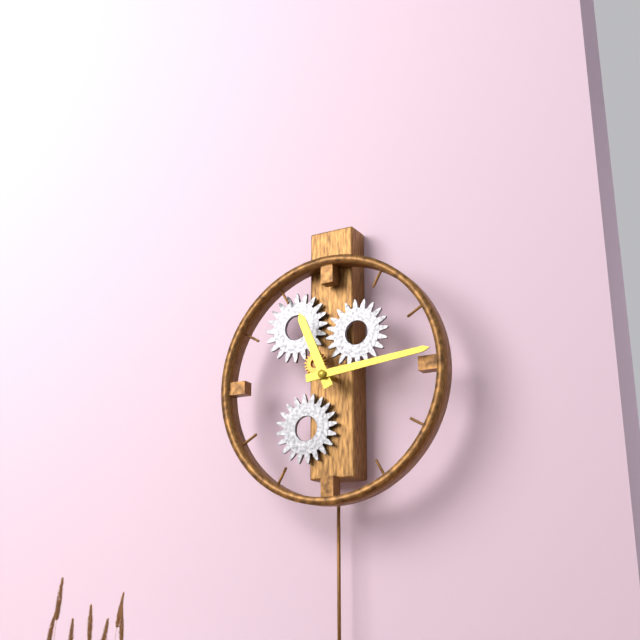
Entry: h=11 m=14
